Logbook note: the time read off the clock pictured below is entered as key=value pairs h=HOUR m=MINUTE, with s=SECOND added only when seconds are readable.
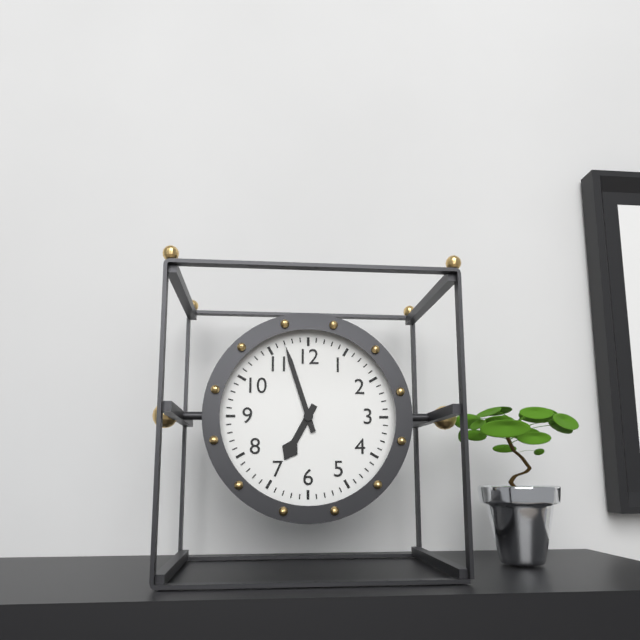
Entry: h=6 m=57
